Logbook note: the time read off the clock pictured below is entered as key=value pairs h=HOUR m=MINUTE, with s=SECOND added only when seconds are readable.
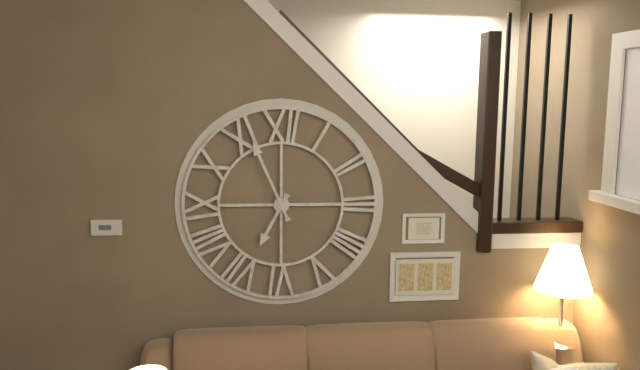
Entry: h=6 m=56
